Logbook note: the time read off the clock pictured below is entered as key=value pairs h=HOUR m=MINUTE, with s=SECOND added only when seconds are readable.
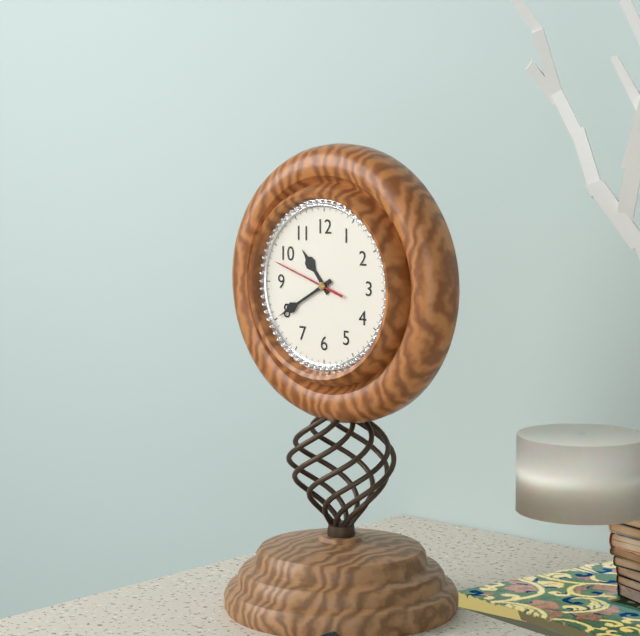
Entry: h=10 m=40 s=48
